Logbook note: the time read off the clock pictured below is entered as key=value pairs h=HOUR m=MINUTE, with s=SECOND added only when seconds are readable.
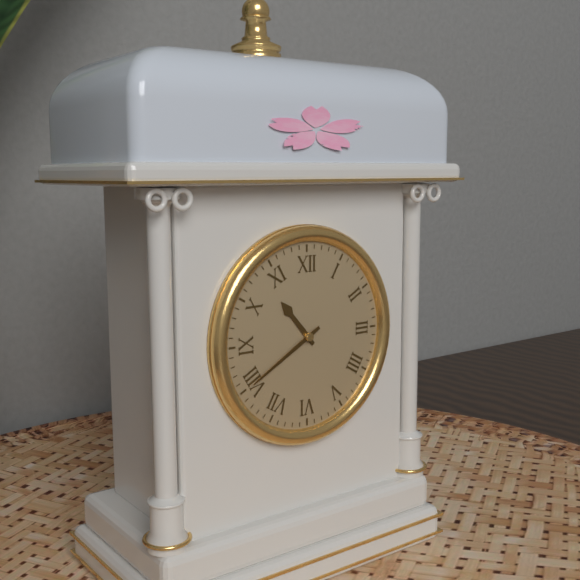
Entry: h=10 m=40
